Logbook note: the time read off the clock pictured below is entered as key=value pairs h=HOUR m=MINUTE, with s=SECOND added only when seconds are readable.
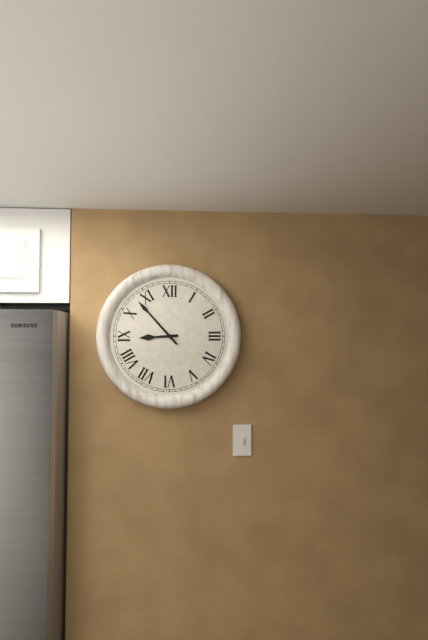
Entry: h=8 m=53
